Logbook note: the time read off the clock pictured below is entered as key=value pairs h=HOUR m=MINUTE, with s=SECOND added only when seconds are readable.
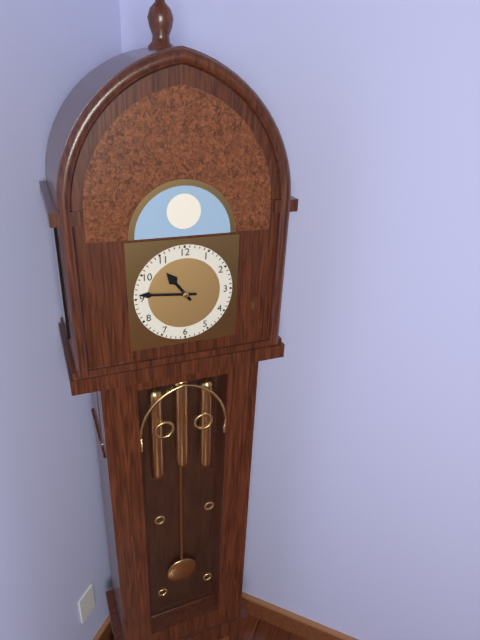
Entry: h=10 m=46
